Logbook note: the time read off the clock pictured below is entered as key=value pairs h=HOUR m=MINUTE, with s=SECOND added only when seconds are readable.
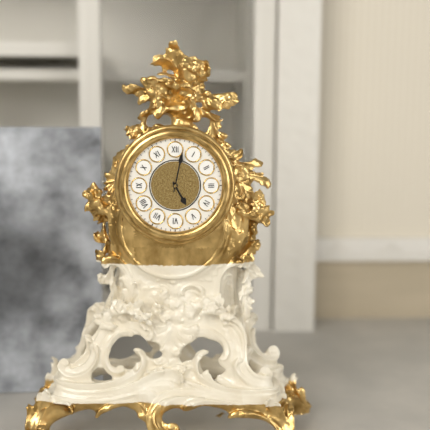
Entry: h=5 m=2
